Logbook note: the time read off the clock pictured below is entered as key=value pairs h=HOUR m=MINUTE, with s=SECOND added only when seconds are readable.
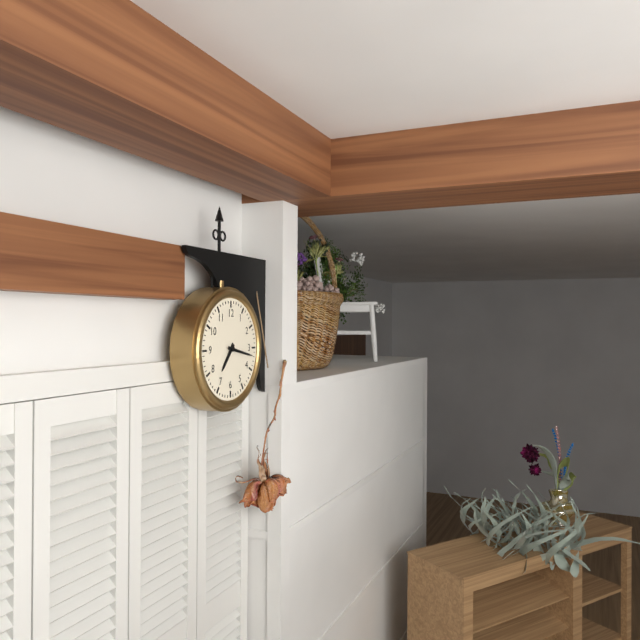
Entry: h=7 m=17
